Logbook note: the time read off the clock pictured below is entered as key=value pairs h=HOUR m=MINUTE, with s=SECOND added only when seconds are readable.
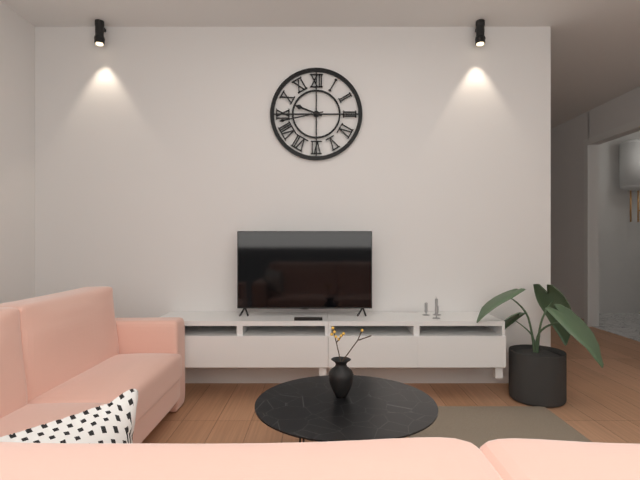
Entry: h=9 m=43
